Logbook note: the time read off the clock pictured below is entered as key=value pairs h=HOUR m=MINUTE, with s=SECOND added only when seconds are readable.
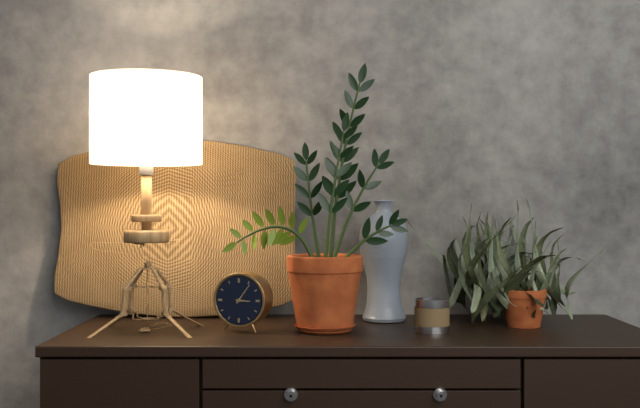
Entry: h=3 m=6
